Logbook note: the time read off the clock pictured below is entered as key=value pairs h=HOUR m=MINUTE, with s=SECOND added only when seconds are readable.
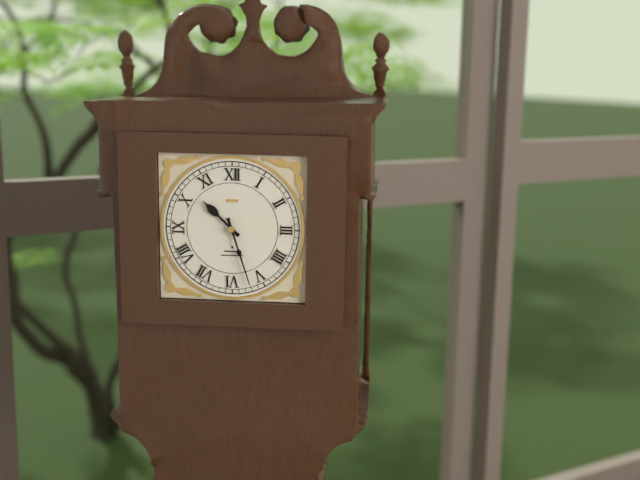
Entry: h=10 m=27
